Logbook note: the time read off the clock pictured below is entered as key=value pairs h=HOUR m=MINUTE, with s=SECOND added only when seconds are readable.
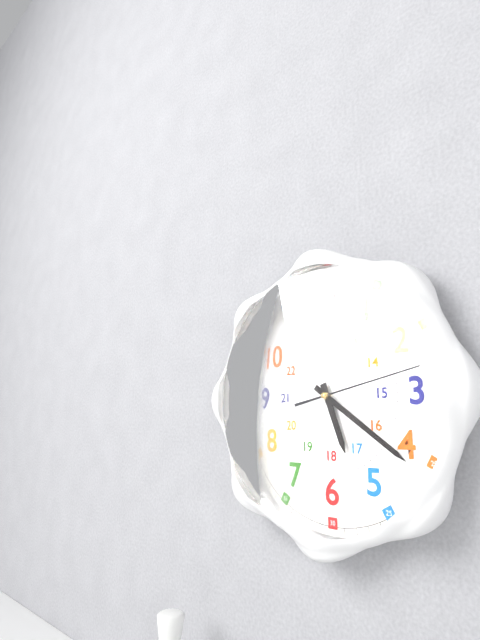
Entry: h=5 m=21 s=13
